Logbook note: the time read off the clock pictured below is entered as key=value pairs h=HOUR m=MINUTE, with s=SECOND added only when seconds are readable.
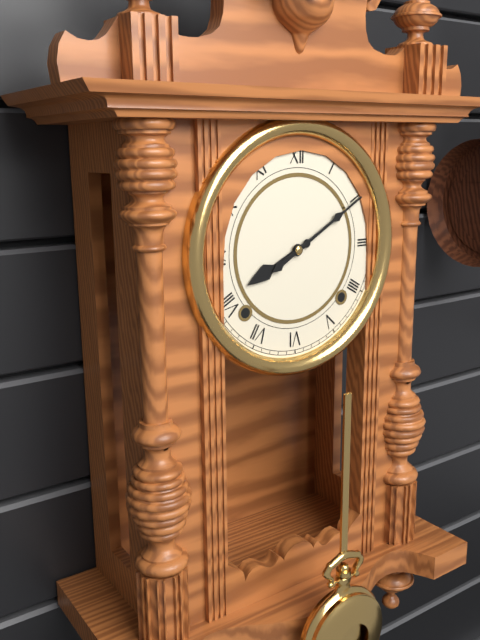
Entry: h=8 m=10
